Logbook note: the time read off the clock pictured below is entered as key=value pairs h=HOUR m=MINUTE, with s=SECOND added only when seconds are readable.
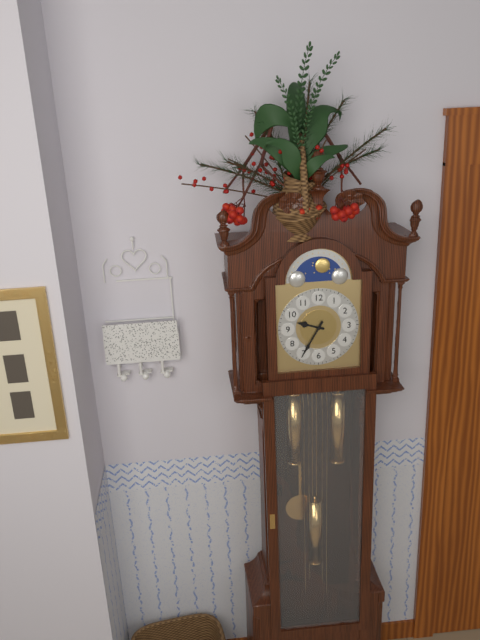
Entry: h=9 m=35
